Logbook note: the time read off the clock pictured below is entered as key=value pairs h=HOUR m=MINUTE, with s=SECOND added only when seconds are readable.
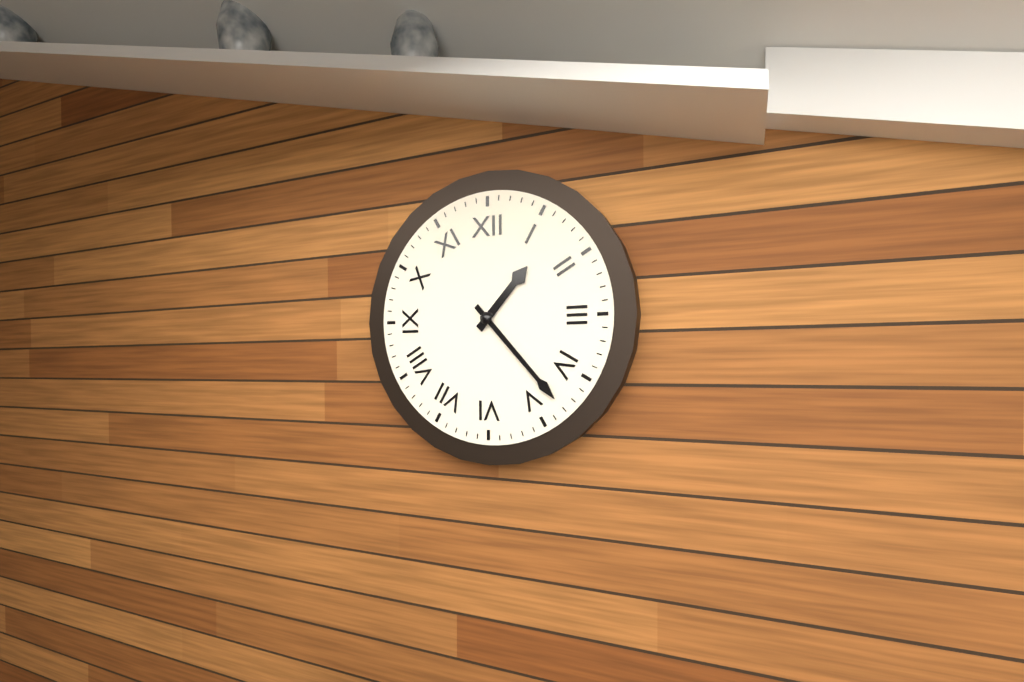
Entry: h=1 m=23
